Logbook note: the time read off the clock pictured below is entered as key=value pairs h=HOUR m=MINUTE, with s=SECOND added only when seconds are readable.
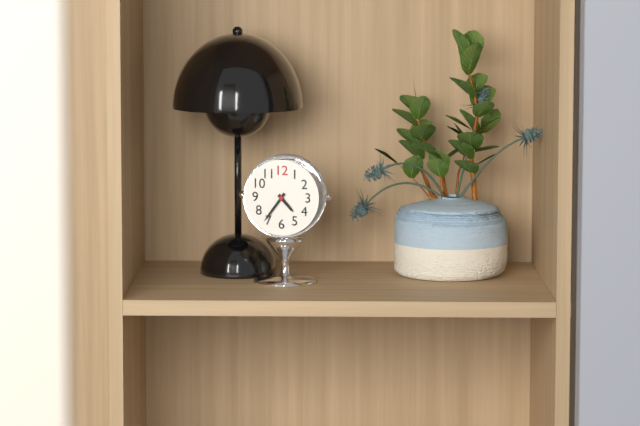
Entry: h=4 m=36
